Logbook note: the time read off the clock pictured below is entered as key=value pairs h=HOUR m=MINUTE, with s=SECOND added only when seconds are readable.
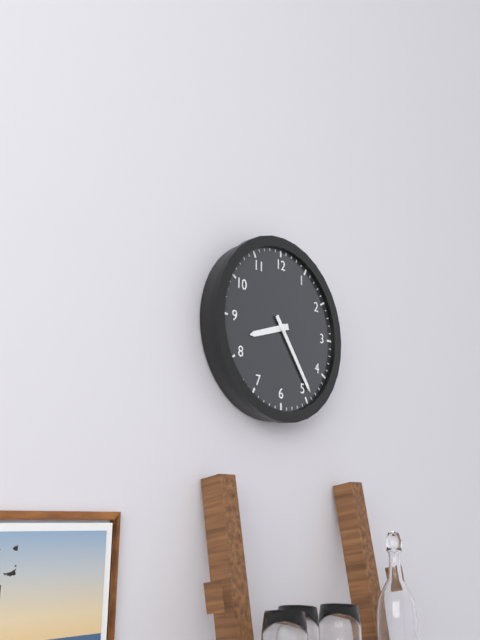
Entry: h=8 m=24
